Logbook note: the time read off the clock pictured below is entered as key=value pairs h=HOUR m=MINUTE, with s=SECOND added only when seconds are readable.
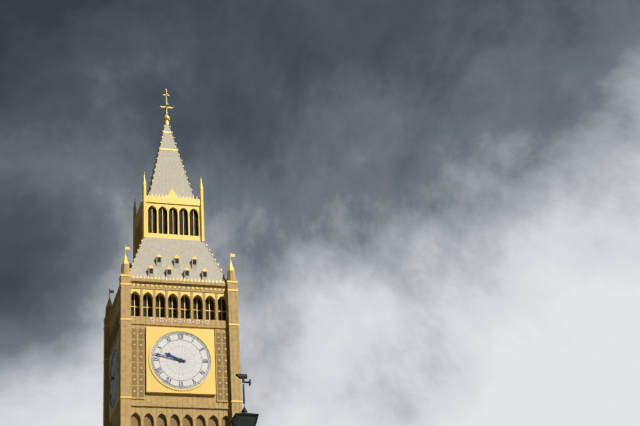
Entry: h=9 m=47
